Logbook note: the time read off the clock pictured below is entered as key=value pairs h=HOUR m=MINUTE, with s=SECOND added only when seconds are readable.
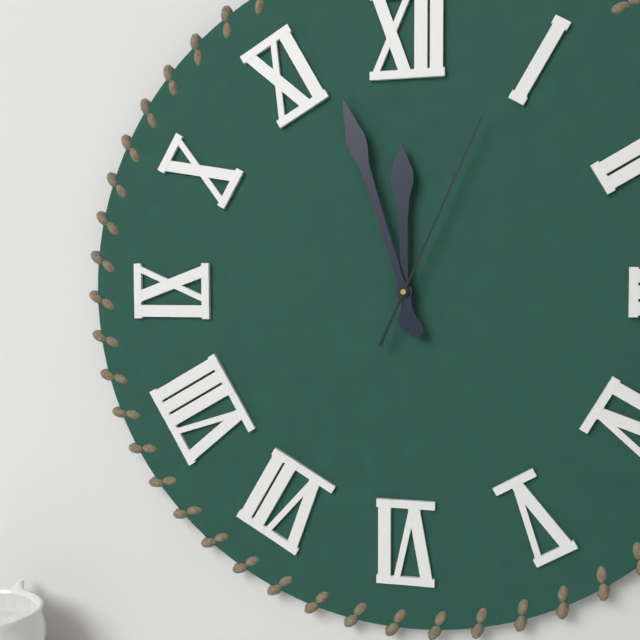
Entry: h=11 m=57 s=4
